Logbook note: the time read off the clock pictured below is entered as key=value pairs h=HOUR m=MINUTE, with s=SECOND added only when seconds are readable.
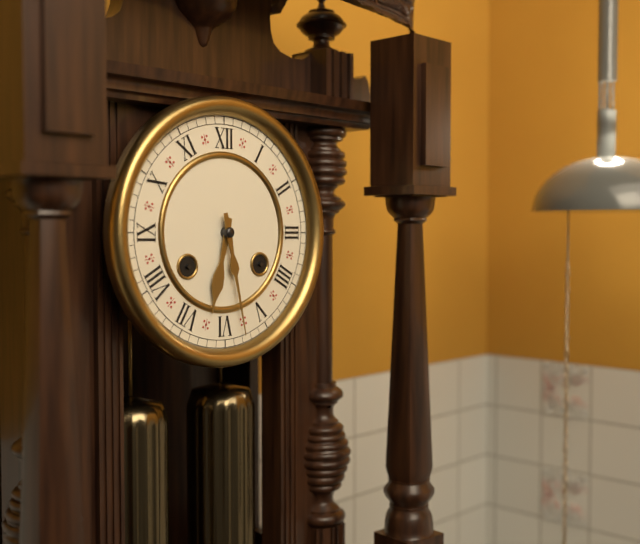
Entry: h=6 m=28
